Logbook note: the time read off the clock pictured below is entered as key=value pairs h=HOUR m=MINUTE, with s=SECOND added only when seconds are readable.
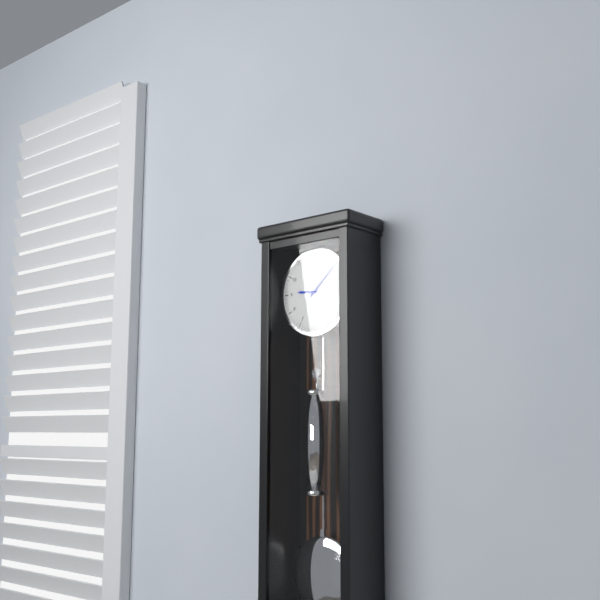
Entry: h=9 m=8
